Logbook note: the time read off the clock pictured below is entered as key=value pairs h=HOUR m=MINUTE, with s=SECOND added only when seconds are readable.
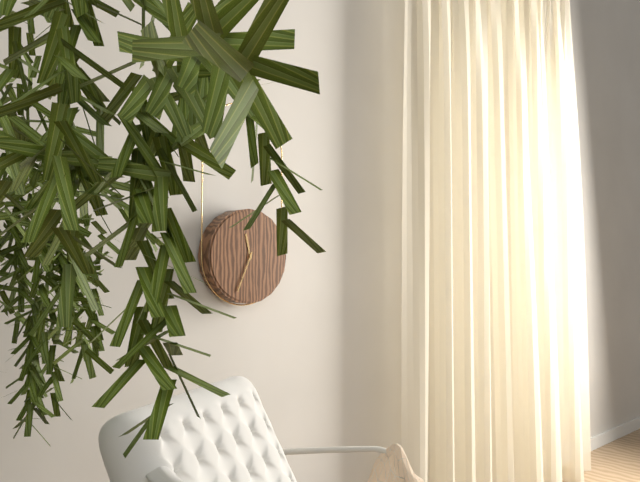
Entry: h=11 m=34
